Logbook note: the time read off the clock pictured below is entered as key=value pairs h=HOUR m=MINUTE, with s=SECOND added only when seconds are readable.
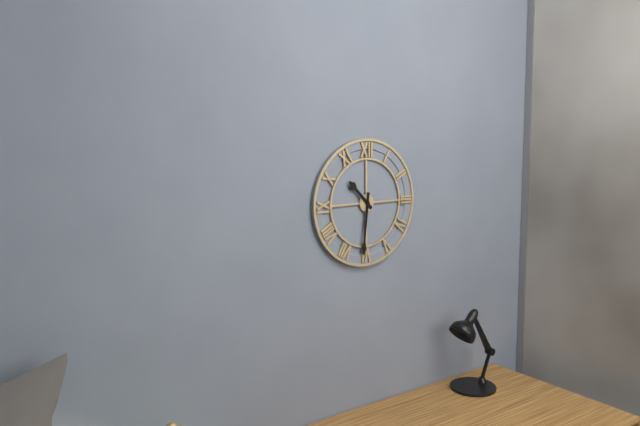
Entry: h=10 m=31
